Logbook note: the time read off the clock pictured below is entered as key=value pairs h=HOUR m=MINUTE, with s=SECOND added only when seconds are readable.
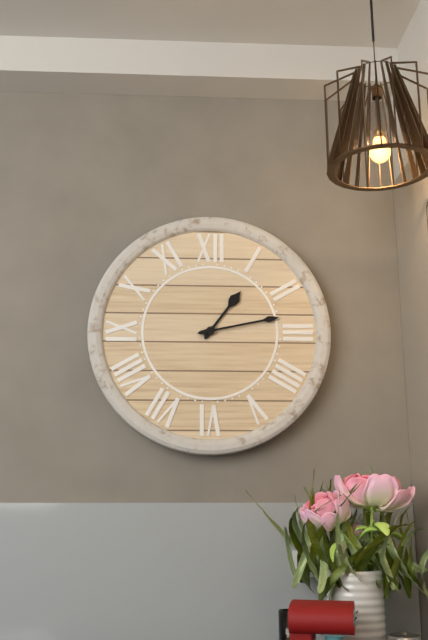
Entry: h=1 m=13
